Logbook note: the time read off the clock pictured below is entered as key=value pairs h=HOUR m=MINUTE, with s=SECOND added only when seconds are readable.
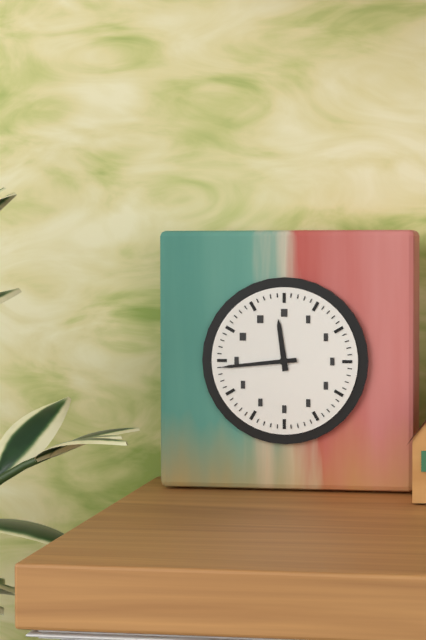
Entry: h=11 m=44
